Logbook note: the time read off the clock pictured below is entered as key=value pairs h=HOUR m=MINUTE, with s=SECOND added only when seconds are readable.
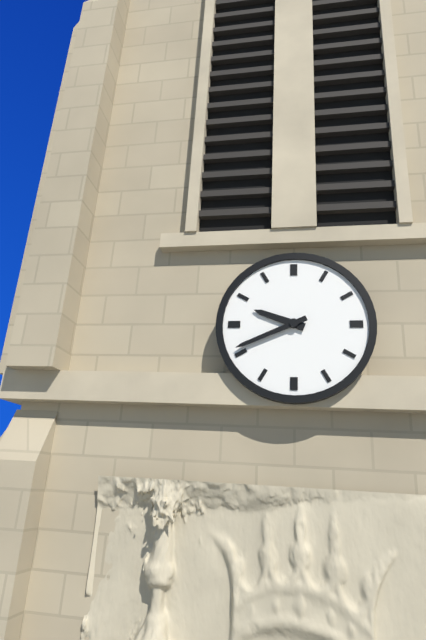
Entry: h=9 m=41
